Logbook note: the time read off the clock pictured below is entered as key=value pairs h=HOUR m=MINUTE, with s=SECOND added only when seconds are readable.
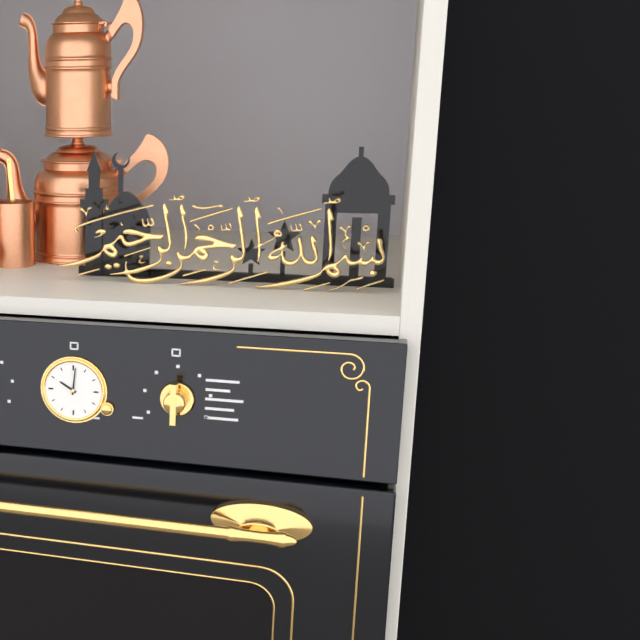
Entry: h=10 m=1
